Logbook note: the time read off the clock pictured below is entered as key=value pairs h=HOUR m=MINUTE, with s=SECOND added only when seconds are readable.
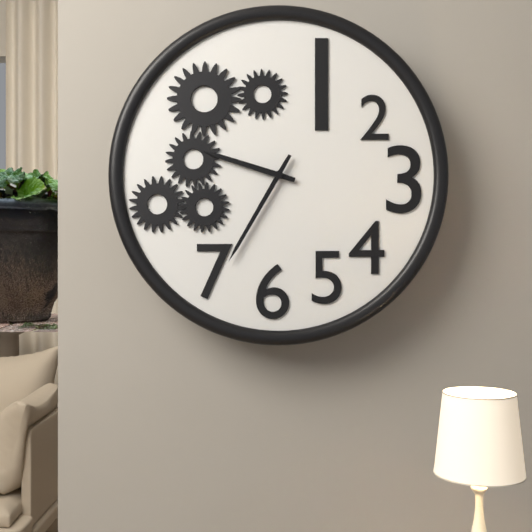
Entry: h=9 m=35
